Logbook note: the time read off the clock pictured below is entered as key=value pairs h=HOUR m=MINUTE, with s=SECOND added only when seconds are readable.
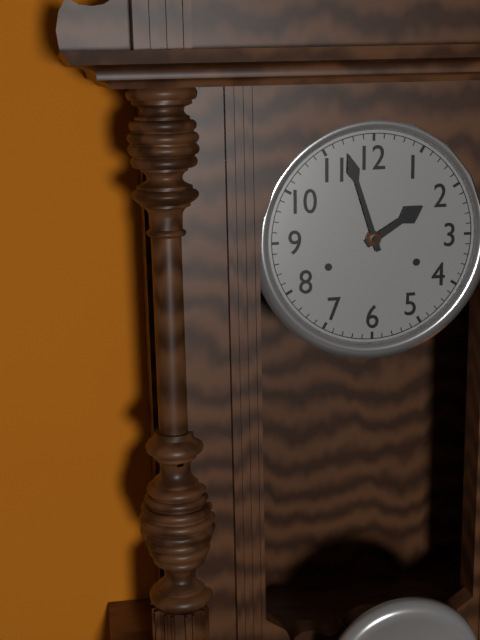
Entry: h=1 m=57
